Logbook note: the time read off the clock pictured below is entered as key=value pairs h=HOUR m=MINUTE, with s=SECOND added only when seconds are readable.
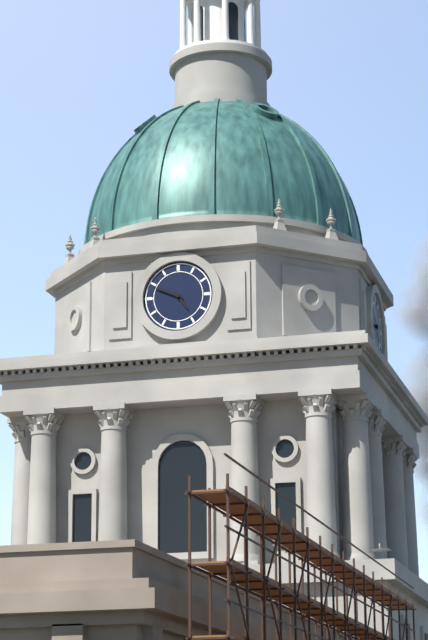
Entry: h=4 m=49
